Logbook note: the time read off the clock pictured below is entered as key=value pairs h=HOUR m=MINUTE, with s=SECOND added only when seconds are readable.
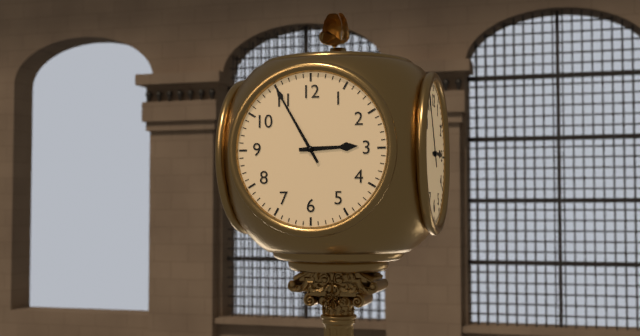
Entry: h=2 m=55
